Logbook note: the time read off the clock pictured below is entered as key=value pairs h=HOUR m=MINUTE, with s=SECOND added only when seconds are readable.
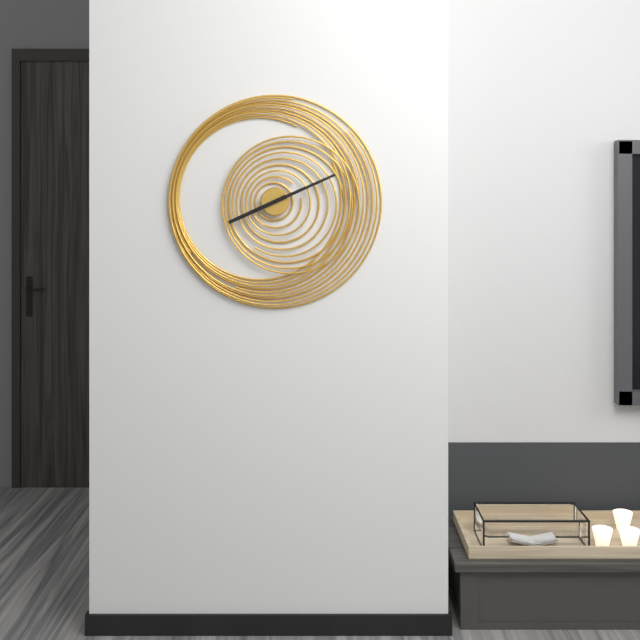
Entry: h=8 m=11
